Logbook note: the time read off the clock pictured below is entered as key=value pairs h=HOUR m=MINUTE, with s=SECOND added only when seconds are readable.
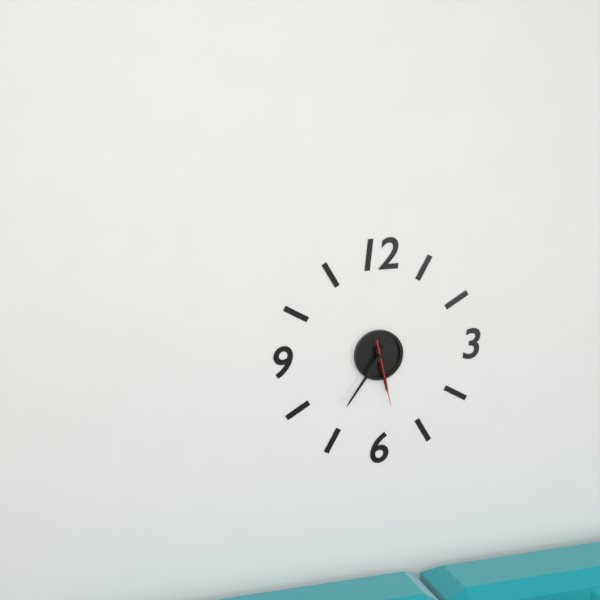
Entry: h=5 m=36 s=28
